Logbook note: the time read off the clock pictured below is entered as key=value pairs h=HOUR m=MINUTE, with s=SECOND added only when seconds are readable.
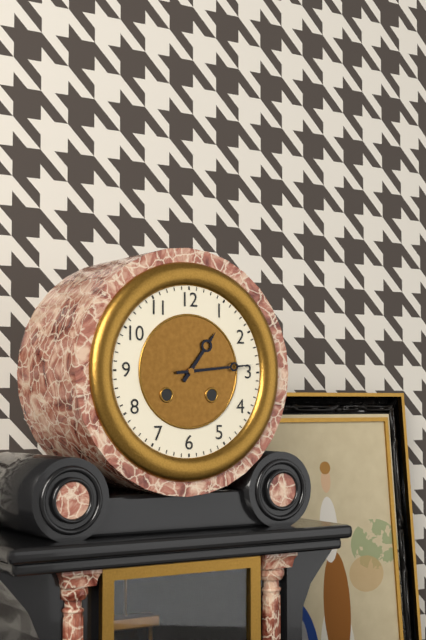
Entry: h=1 m=14
